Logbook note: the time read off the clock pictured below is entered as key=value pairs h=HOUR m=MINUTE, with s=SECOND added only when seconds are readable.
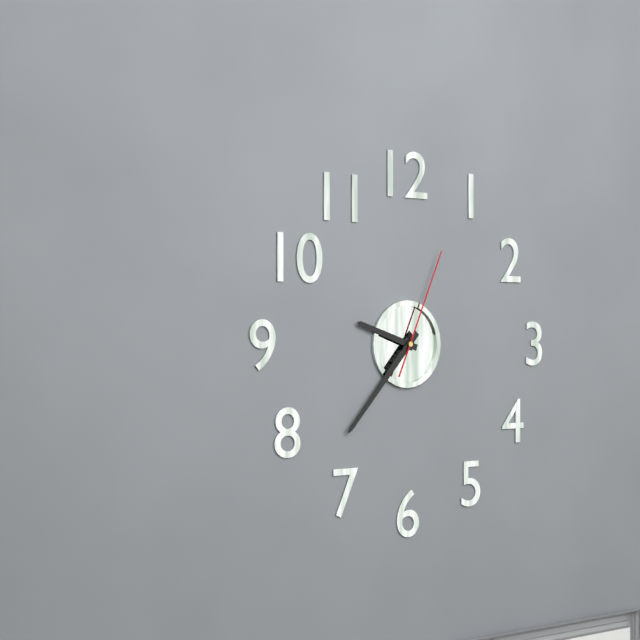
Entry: h=9 m=37 s=4
